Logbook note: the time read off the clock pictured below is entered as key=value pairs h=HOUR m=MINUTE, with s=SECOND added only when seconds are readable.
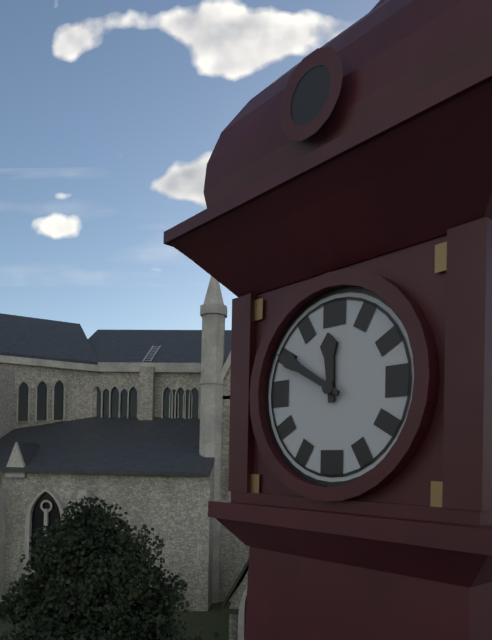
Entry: h=11 m=50
